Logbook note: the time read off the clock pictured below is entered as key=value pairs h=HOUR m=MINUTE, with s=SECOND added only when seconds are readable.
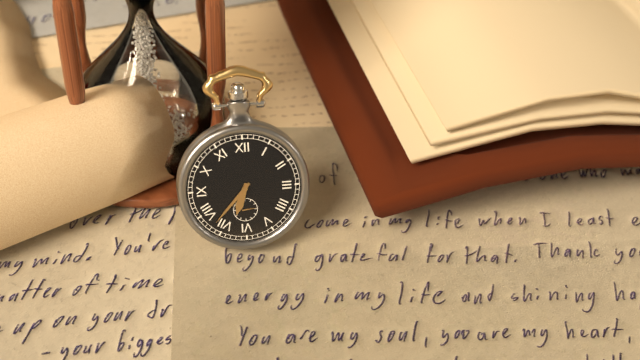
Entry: h=6 m=37
